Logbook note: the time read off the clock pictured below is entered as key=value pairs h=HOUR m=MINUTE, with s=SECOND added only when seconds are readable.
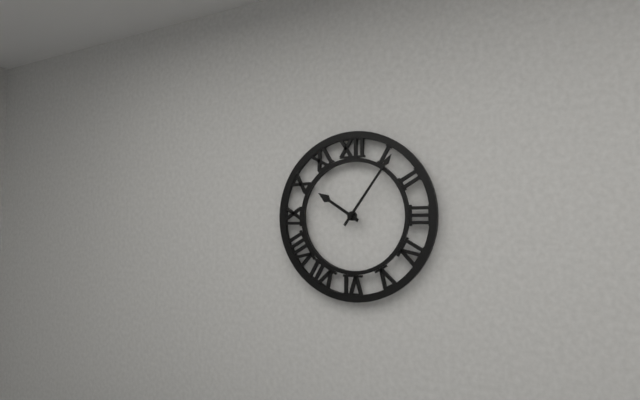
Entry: h=10 m=6
